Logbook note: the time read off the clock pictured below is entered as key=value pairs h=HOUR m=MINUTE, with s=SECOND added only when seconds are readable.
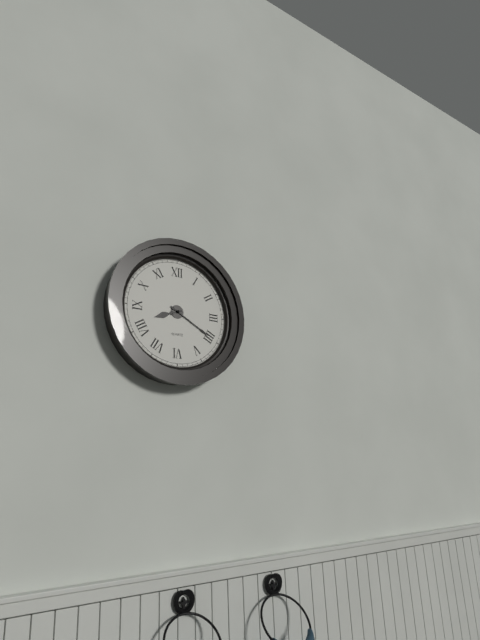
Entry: h=8 m=20
